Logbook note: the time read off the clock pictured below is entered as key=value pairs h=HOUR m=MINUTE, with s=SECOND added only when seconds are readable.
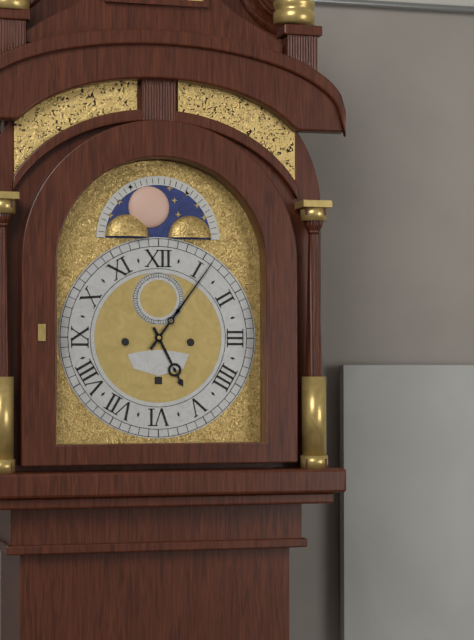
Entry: h=5 m=6
